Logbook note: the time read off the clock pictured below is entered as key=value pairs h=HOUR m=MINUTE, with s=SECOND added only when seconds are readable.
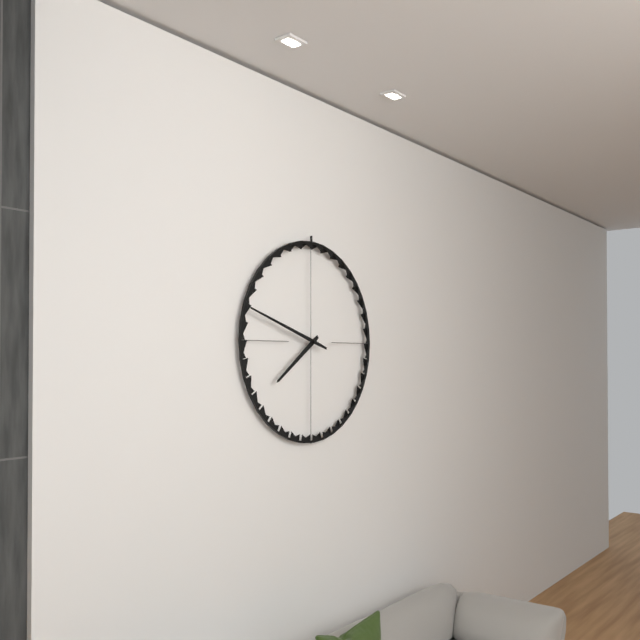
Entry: h=7 m=48
